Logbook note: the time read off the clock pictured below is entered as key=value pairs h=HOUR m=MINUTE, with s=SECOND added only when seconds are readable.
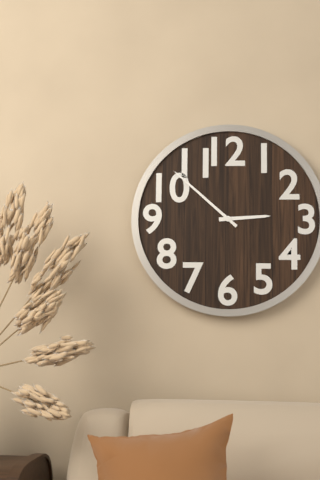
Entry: h=2 m=52
